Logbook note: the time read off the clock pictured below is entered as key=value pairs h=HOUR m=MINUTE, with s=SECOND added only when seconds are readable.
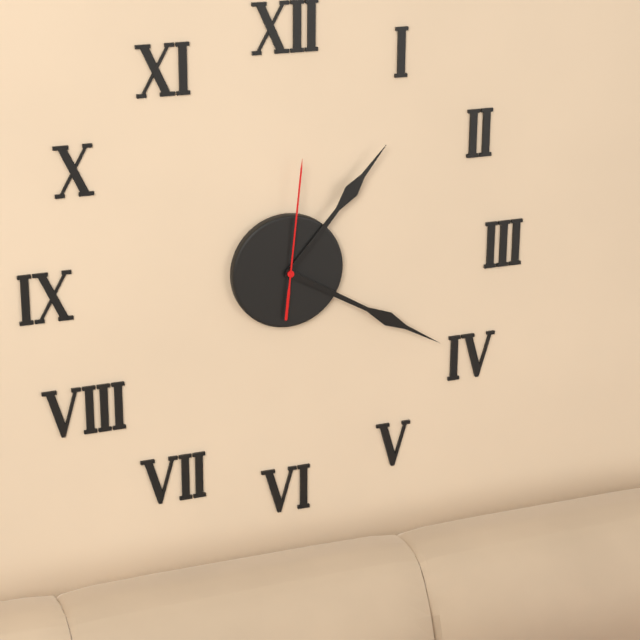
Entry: h=1 m=20 s=1
